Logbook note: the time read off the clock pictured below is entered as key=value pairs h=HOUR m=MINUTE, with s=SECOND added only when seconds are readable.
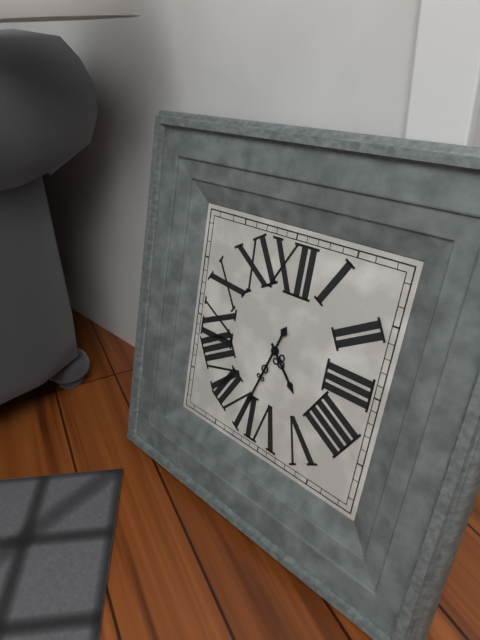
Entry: h=4 m=33
